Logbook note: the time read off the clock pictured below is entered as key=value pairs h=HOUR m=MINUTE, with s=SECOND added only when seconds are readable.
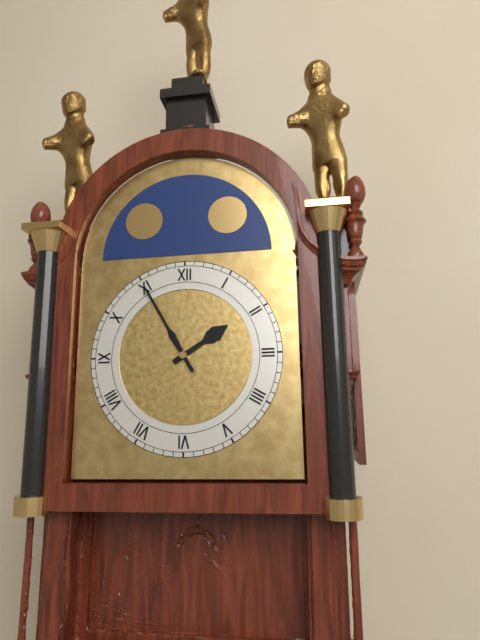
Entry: h=1 m=55
